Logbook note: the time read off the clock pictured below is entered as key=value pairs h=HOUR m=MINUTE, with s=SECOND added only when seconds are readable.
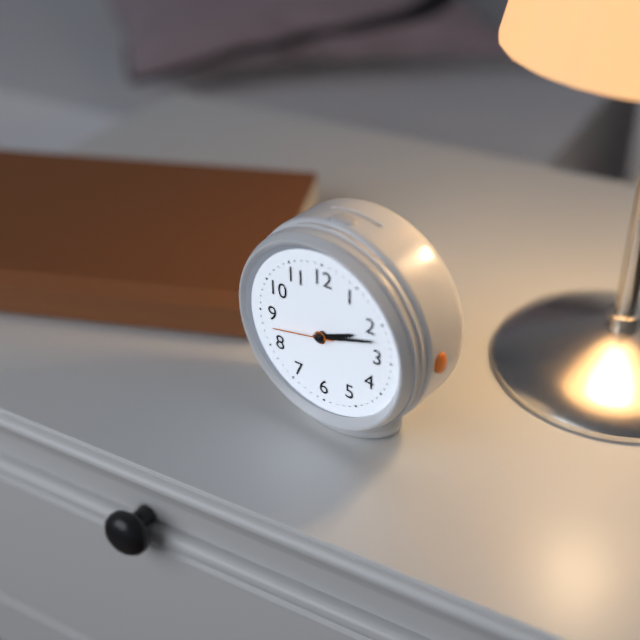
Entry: h=2 m=12 s=43
